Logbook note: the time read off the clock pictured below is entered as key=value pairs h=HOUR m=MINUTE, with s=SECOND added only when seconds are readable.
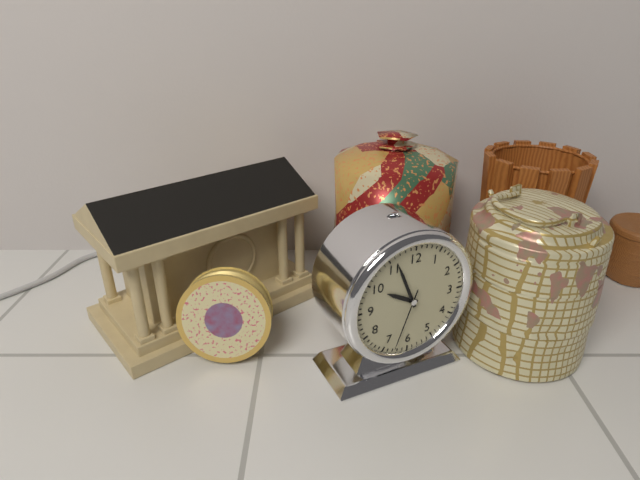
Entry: h=9 m=56 s=33
